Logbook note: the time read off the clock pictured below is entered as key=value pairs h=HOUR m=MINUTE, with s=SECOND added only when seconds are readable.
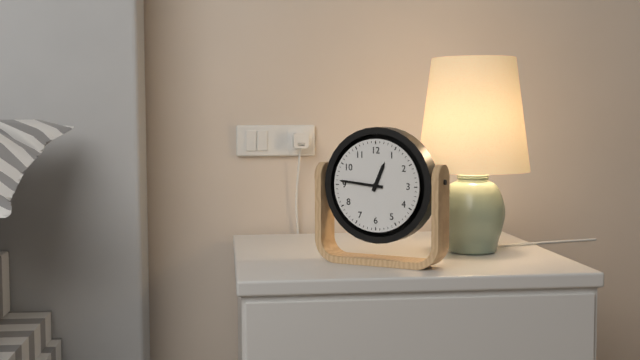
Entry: h=12 m=46
